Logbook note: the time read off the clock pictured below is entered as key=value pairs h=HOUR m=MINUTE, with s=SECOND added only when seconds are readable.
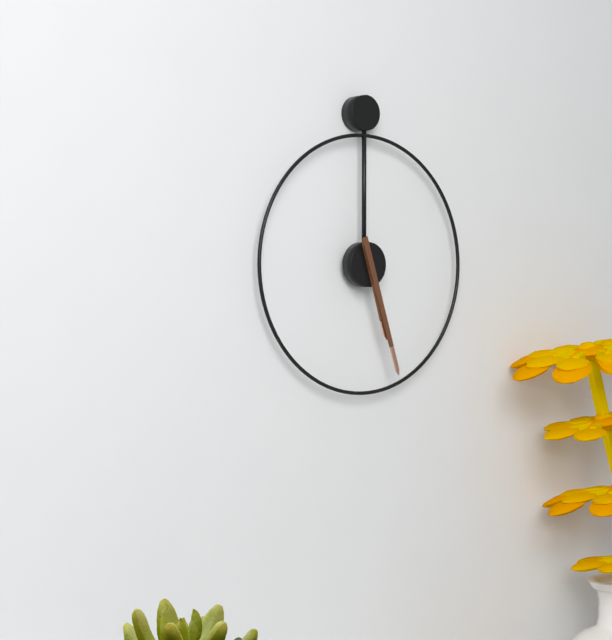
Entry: h=5 m=27
